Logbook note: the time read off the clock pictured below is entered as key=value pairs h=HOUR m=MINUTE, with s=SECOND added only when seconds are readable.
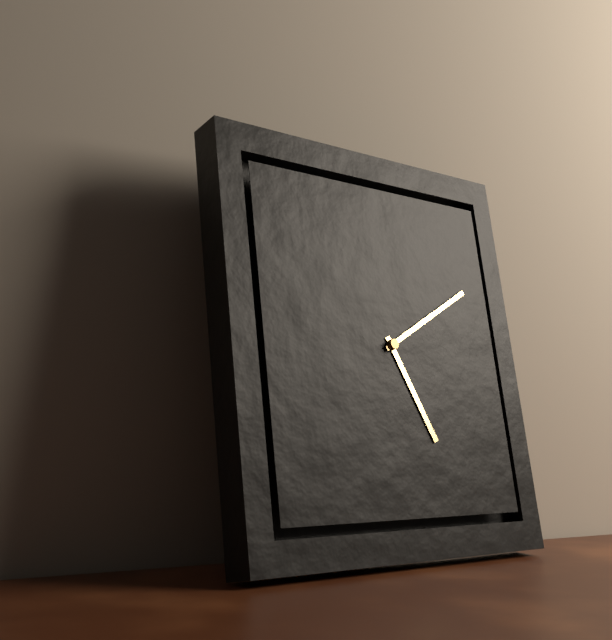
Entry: h=5 m=10
